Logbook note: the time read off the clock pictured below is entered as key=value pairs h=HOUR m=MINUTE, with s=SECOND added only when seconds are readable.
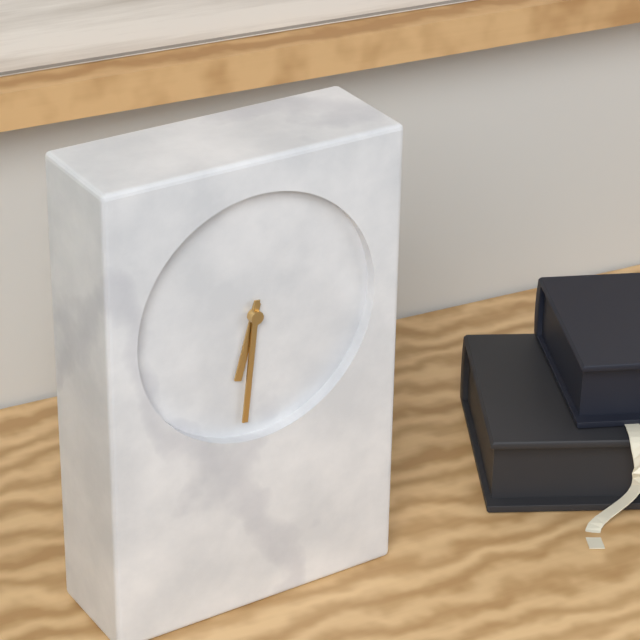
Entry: h=6 m=31
